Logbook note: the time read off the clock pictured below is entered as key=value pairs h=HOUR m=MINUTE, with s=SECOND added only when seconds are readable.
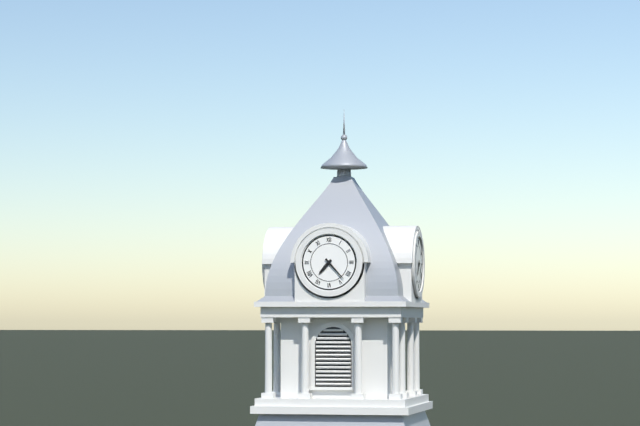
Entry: h=7 m=23
